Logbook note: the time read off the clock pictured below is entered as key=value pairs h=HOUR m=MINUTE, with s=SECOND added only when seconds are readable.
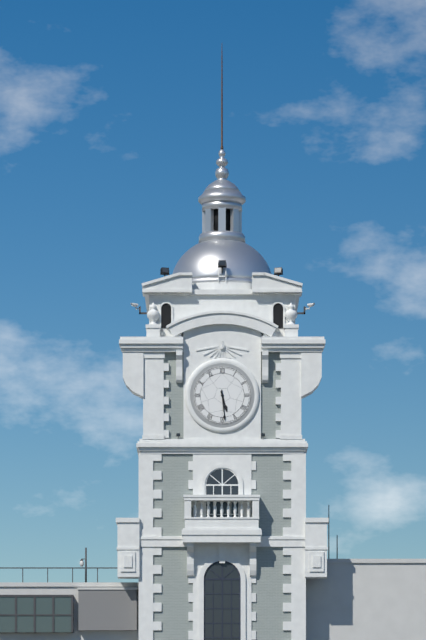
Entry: h=5 m=29
